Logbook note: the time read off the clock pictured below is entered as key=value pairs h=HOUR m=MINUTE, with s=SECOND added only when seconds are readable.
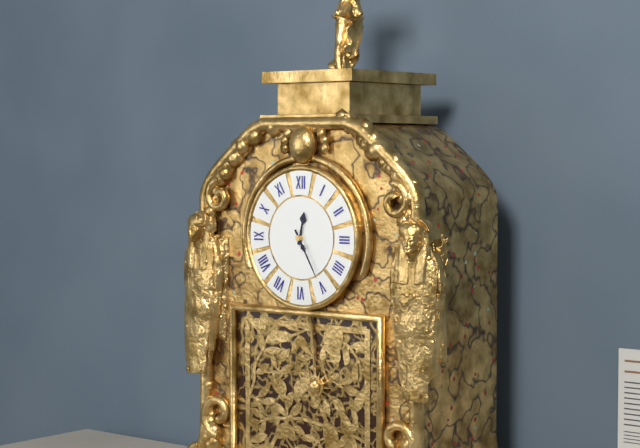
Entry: h=12 m=25
